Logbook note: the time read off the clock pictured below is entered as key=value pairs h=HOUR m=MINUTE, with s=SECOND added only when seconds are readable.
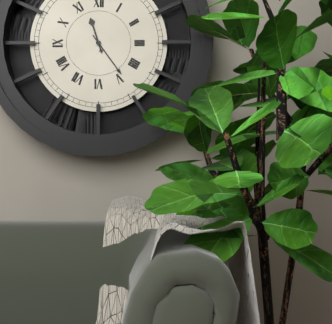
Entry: h=11 m=24
